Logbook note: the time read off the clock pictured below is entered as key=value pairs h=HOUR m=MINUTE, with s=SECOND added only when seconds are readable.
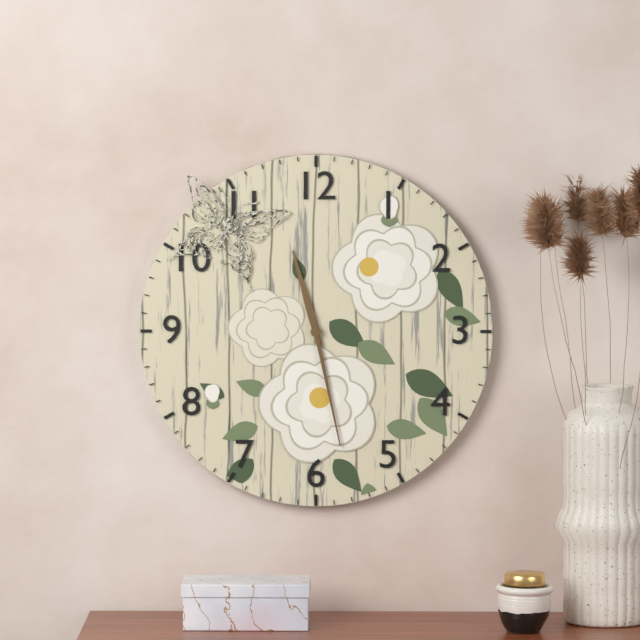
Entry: h=11 m=28
